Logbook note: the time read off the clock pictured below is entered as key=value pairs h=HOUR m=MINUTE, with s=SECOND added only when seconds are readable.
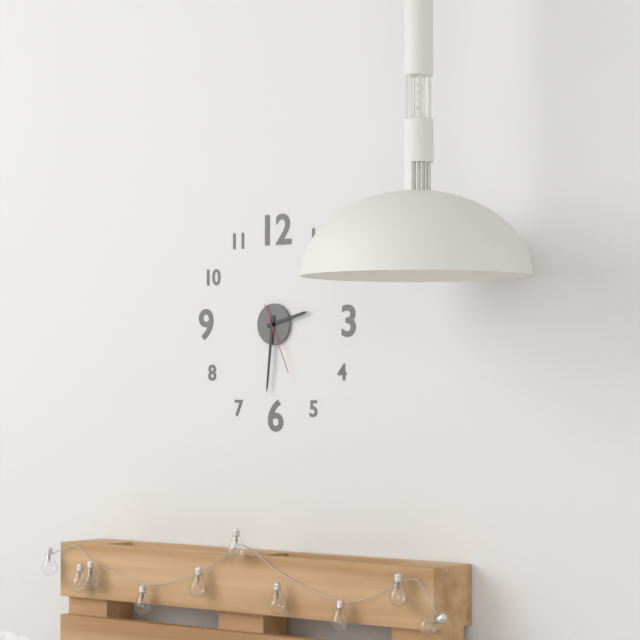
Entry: h=2 m=31 s=26
